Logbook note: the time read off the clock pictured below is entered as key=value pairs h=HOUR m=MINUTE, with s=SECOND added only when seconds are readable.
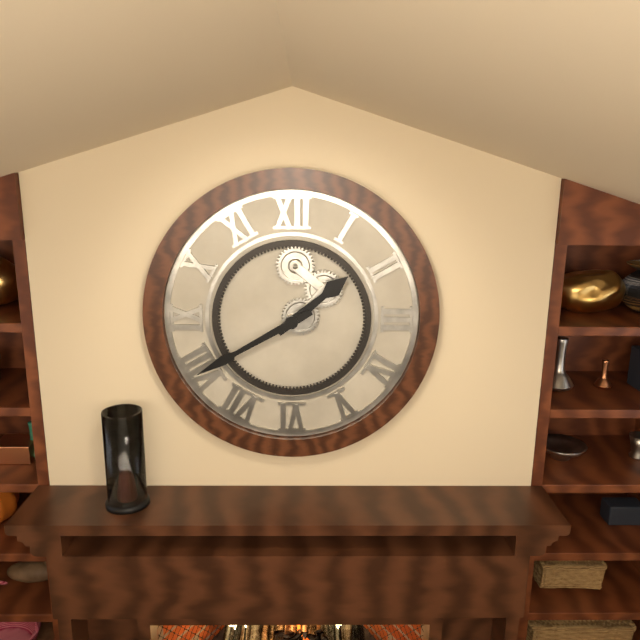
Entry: h=1 m=40
